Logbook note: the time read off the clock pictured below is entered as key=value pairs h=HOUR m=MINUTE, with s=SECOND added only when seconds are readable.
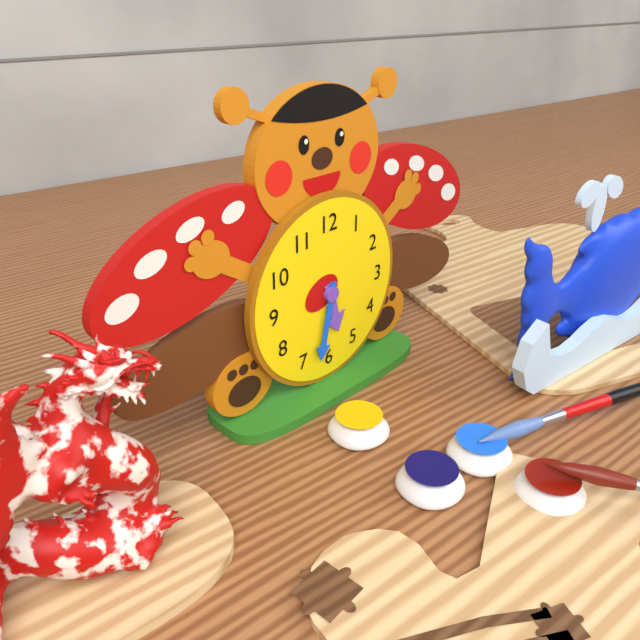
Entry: h=5 m=32
